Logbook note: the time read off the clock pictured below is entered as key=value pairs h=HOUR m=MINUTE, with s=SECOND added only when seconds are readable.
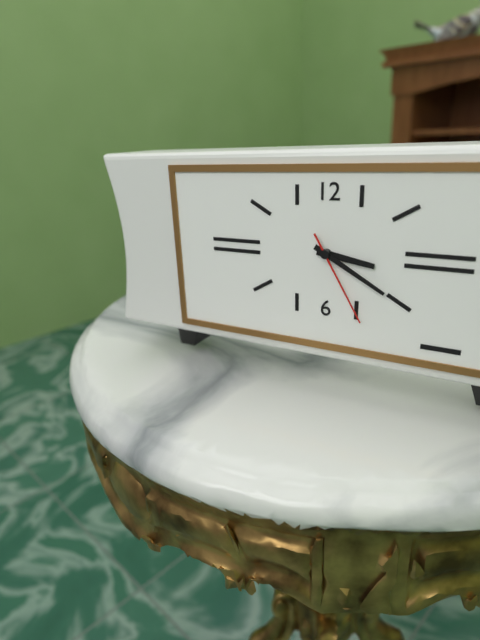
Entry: h=3 m=20 s=25
